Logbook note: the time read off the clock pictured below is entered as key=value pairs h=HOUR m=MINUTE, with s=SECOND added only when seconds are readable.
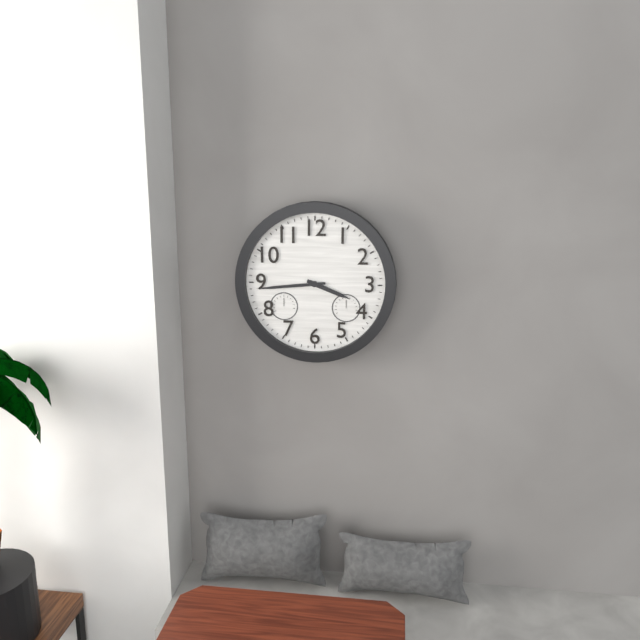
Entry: h=3 m=44
